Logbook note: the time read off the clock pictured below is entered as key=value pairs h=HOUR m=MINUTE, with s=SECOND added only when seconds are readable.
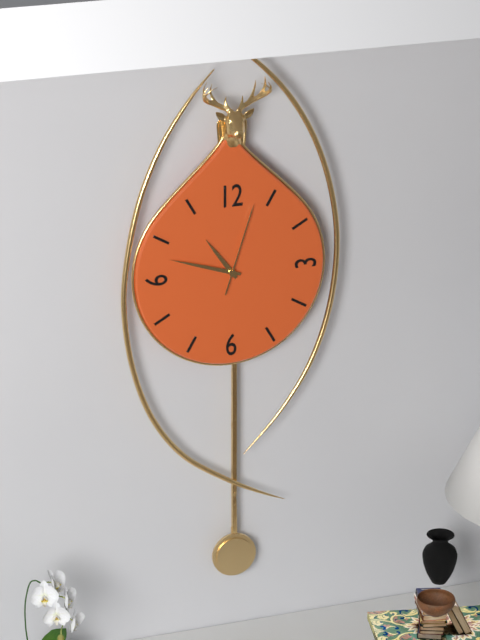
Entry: h=10 m=48 s=3
